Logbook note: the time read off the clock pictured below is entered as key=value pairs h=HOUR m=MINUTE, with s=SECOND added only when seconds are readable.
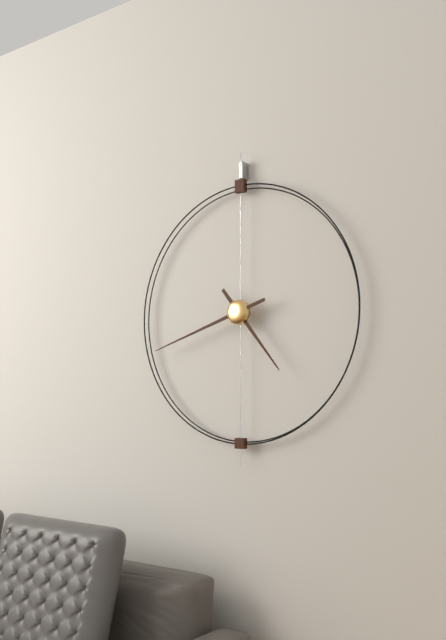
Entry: h=4 m=42
